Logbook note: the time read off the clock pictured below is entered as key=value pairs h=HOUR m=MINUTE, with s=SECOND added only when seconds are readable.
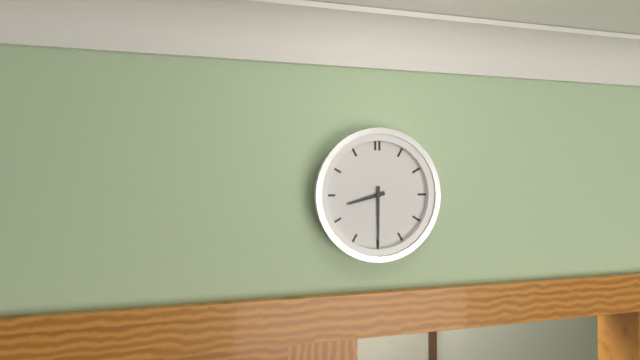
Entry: h=8 m=30
